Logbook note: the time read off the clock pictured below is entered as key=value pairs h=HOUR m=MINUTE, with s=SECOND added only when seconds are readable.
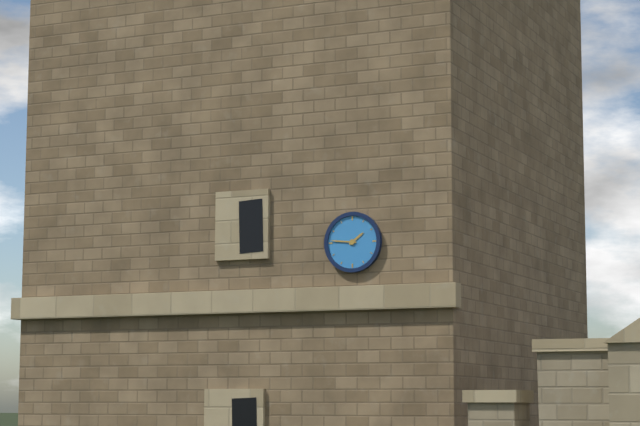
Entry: h=1 m=46
